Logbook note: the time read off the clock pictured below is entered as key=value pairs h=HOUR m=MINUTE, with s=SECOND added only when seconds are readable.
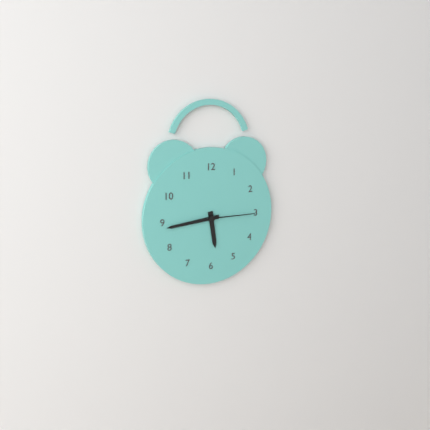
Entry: h=5 m=44 s=15
